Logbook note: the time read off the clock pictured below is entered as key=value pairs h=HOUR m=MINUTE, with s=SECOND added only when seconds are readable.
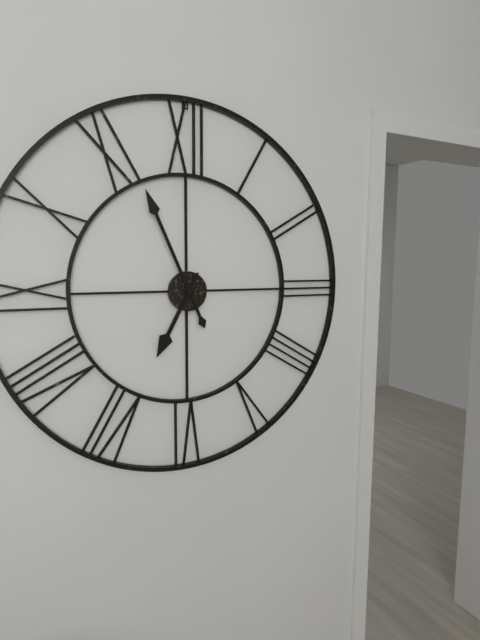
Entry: h=6 m=56
